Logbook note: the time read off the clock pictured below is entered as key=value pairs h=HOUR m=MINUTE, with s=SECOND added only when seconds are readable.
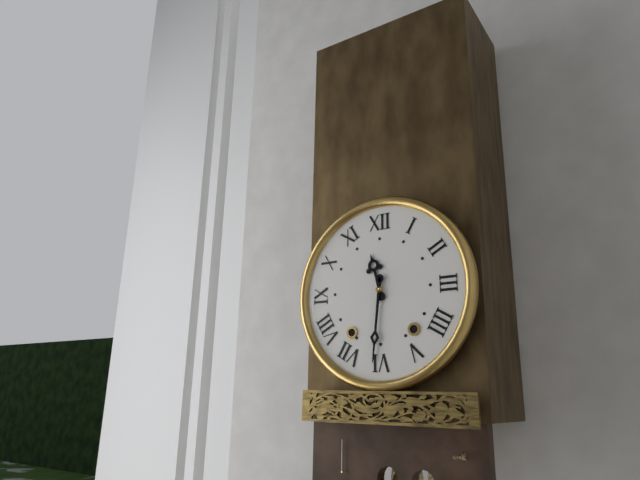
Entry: h=11 m=31
